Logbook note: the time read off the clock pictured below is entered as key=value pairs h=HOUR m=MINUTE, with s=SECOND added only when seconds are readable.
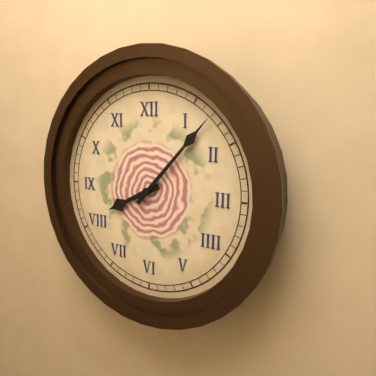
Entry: h=8 m=7
